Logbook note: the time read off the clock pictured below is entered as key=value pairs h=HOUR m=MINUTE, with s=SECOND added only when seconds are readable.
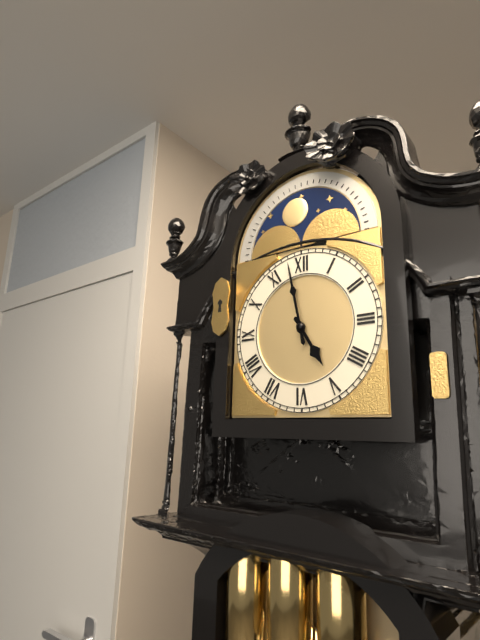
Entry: h=4 m=58
